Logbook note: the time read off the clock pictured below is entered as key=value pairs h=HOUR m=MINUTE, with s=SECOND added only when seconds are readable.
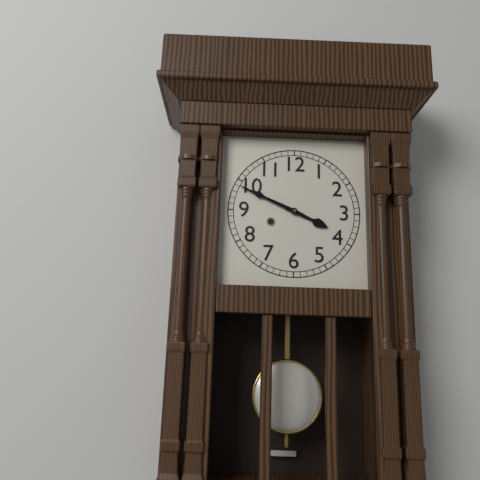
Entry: h=3 m=49
